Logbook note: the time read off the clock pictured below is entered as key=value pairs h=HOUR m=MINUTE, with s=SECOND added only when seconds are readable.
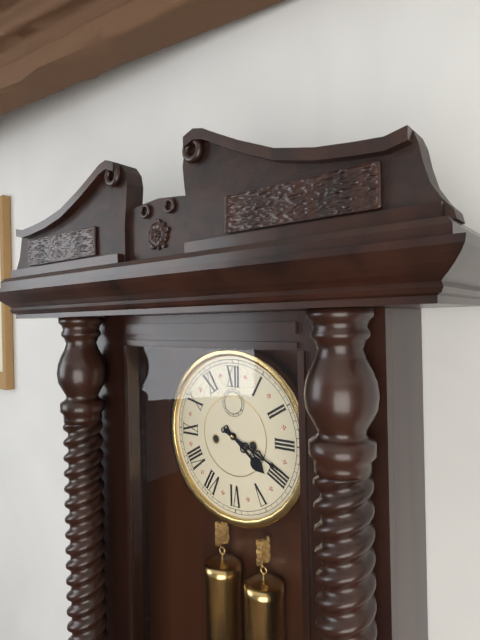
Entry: h=4 m=19
